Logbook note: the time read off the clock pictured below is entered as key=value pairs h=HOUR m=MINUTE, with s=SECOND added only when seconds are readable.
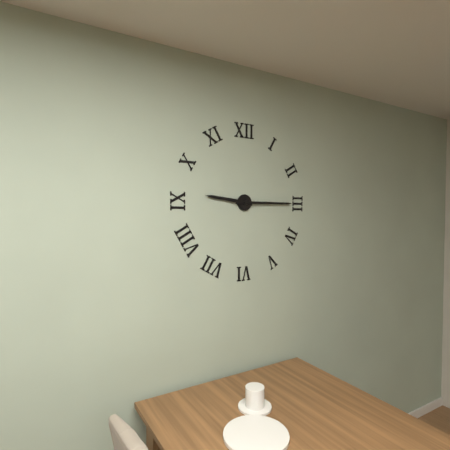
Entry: h=9 m=15
